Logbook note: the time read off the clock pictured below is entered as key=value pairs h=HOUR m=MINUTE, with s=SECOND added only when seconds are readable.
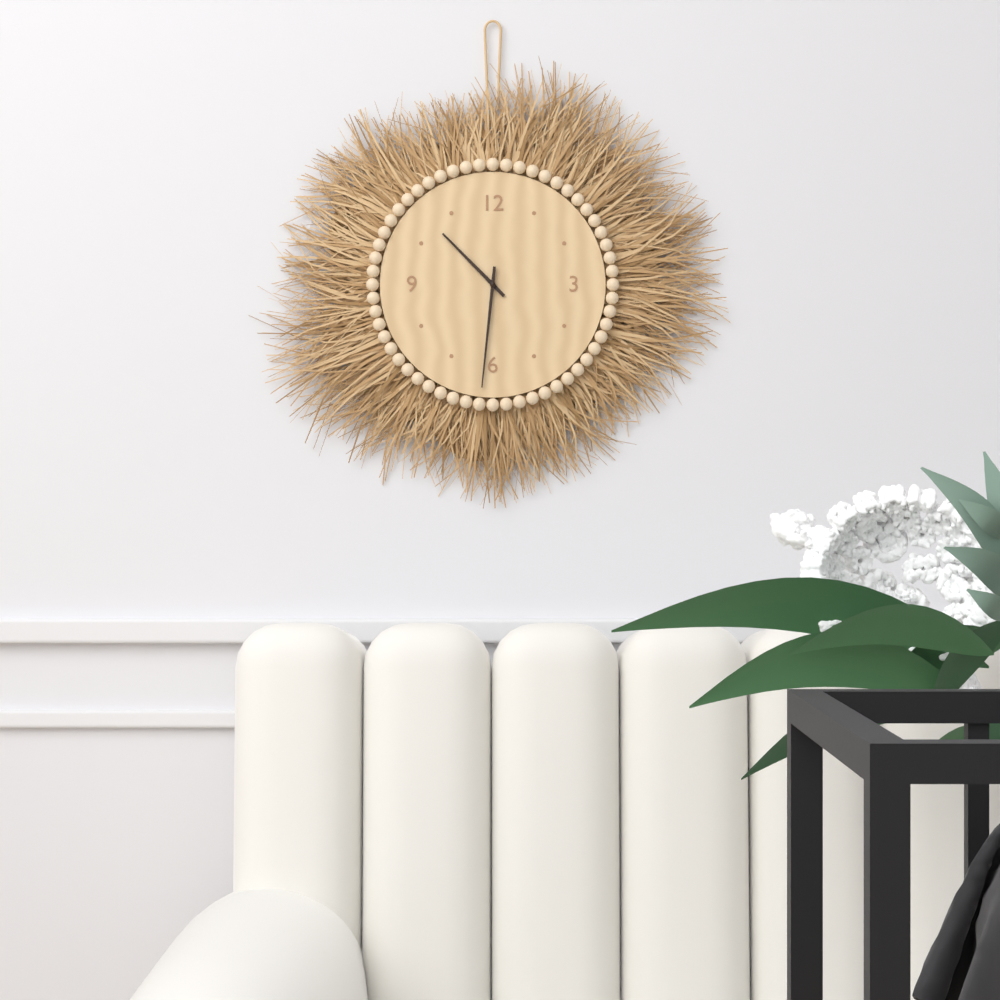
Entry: h=10 m=31
